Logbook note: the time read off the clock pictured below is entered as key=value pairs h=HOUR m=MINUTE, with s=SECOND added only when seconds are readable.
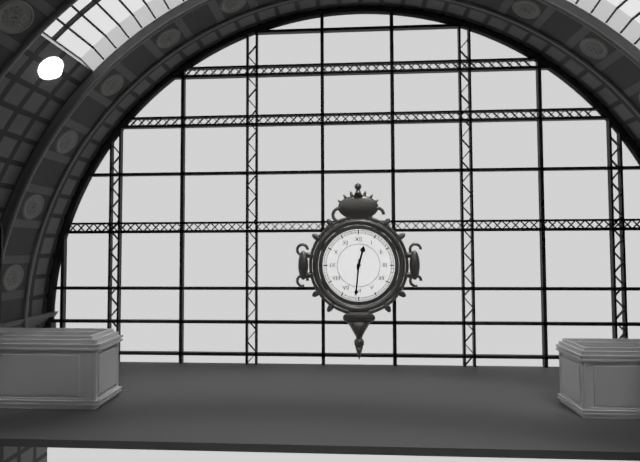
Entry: h=12 m=31
